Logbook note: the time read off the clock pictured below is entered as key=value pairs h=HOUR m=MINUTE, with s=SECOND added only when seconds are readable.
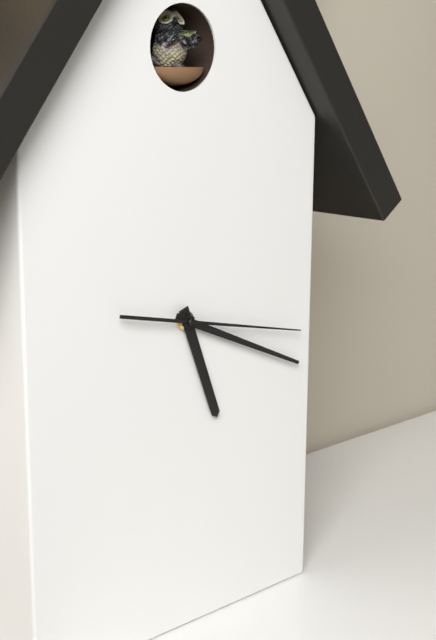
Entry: h=5 m=19 s=17
